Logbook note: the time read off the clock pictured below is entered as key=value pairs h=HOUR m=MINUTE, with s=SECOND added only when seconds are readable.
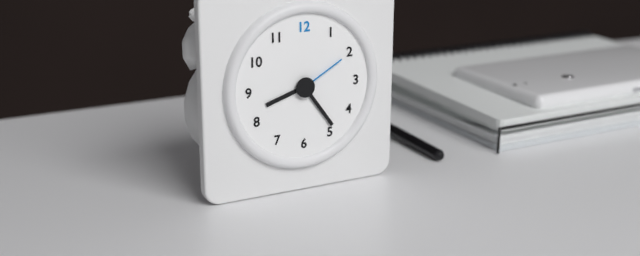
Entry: h=8 m=24 s=10
